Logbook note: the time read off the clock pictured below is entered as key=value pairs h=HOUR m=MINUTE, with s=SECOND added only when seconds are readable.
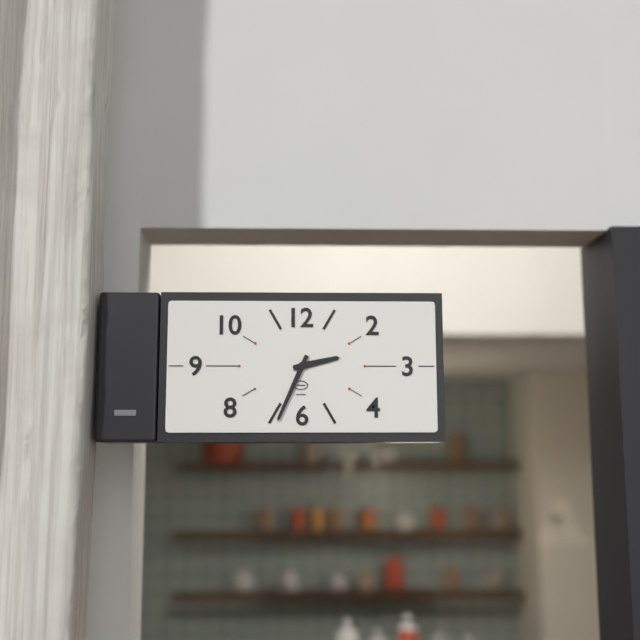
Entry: h=2 m=34
